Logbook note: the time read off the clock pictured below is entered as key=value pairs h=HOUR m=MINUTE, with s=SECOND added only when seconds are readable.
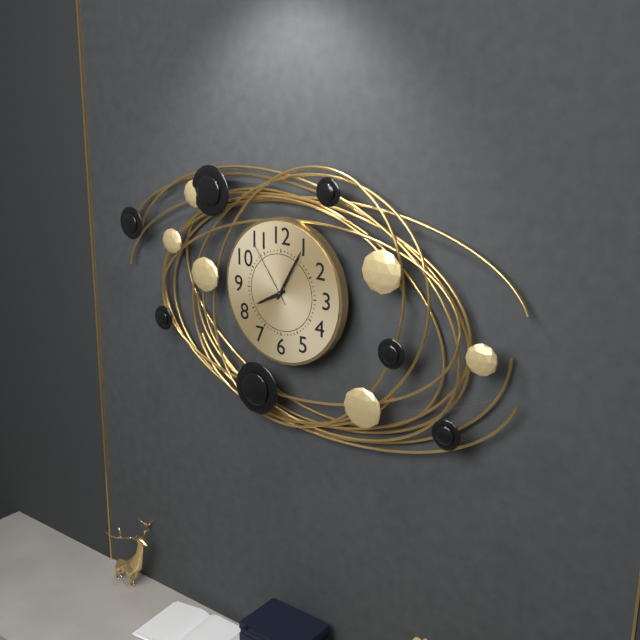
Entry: h=8 m=5 s=54
